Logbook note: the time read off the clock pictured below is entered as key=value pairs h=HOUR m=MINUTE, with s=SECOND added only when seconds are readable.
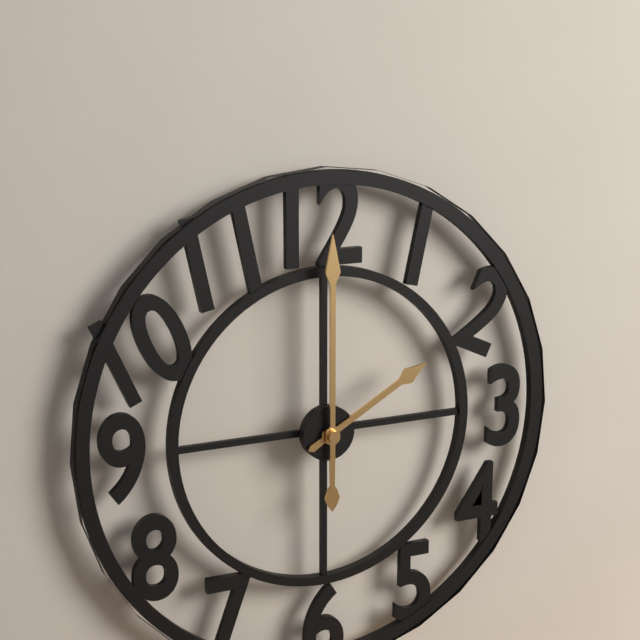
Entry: h=2 m=0
